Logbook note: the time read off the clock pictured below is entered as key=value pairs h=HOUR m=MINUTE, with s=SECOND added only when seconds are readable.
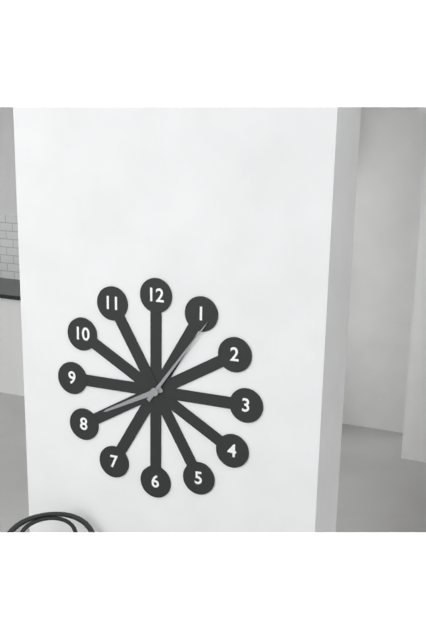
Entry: h=8 m=6
